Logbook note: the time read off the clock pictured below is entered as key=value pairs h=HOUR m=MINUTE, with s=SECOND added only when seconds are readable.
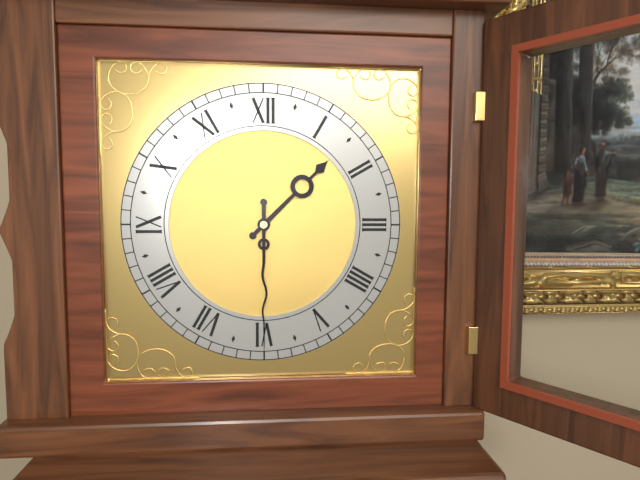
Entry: h=1 m=30
